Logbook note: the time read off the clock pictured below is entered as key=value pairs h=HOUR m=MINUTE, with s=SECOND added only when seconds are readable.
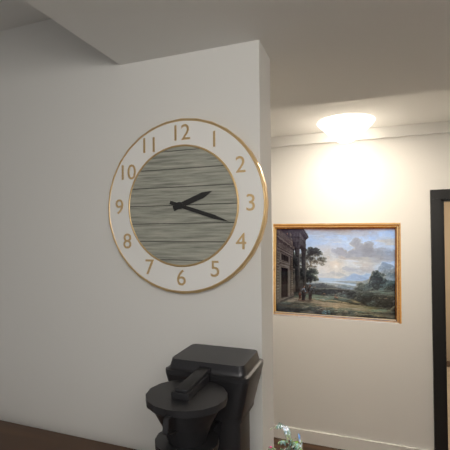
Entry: h=2 m=18
